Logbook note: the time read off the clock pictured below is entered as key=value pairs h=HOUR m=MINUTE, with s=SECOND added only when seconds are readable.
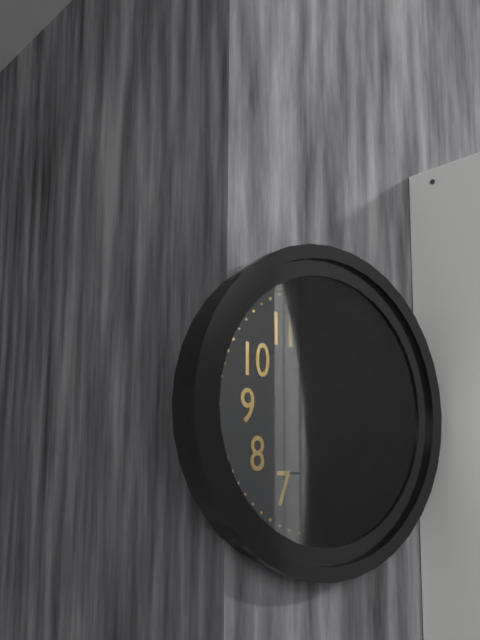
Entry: h=1 m=14
